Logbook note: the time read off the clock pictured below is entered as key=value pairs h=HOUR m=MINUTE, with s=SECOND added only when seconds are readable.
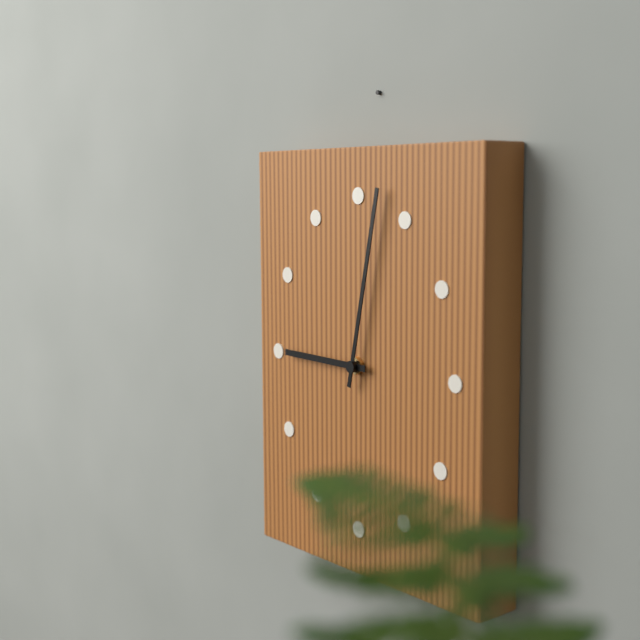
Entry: h=9 m=2
